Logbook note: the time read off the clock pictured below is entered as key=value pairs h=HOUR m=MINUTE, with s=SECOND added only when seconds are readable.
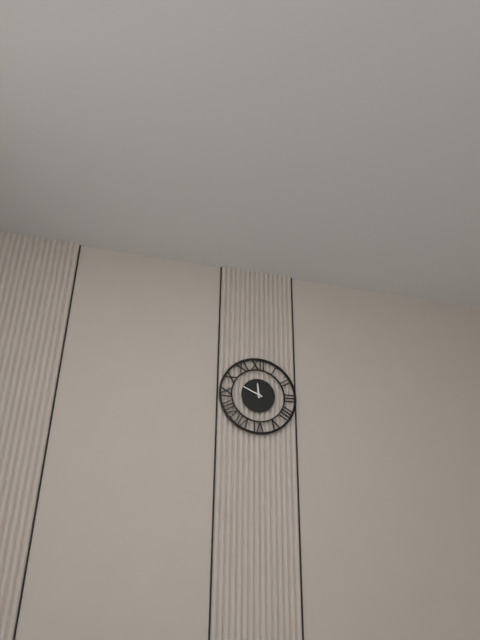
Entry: h=11 m=49
